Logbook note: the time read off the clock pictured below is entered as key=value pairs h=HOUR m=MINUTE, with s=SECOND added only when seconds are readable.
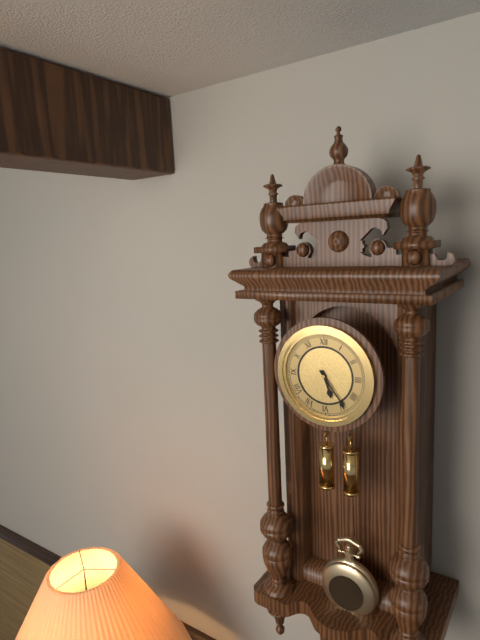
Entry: h=5 m=24
